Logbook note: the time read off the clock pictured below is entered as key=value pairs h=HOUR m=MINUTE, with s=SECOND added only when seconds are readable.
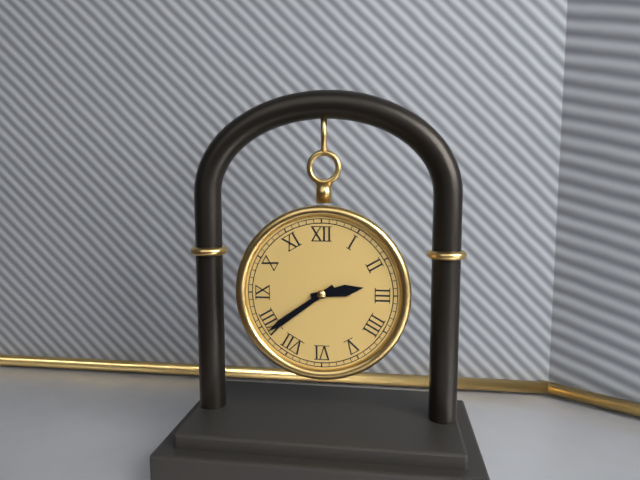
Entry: h=2 m=39
